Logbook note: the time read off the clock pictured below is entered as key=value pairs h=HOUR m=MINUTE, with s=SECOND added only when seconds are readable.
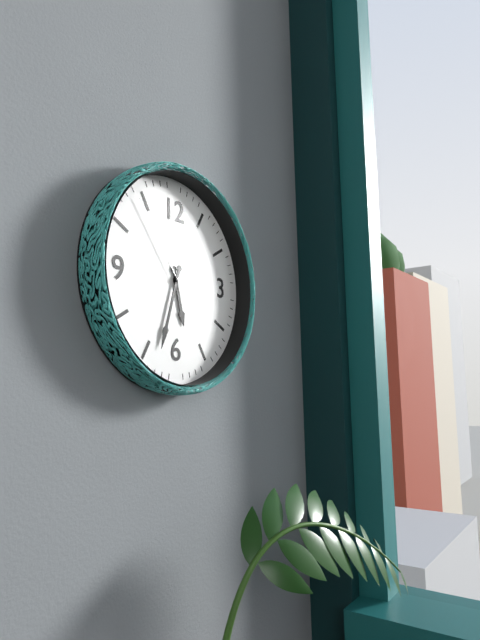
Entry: h=5 m=33 s=54
